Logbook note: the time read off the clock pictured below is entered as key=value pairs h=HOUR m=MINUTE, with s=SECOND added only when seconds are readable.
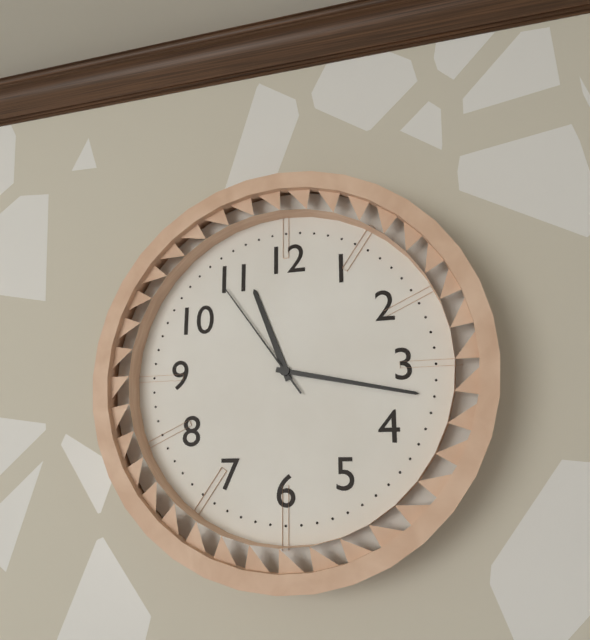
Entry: h=11 m=17 s=54
